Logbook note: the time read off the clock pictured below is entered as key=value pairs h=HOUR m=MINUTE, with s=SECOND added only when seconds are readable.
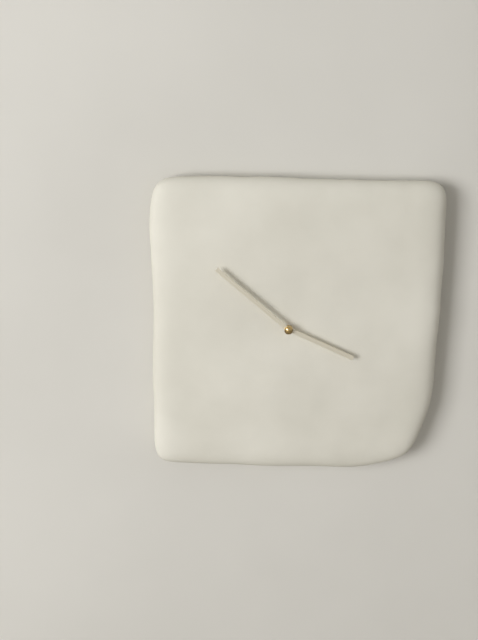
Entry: h=3 m=52
